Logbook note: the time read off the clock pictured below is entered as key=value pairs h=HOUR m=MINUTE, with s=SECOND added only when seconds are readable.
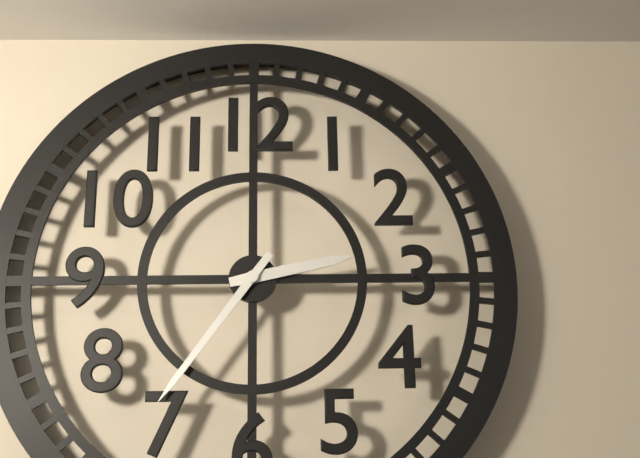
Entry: h=2 m=36
